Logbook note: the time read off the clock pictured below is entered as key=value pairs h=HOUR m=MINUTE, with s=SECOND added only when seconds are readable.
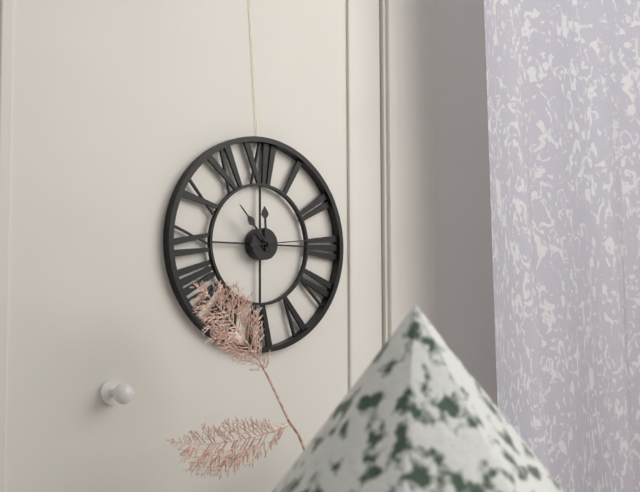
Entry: h=11 m=53 s=14
